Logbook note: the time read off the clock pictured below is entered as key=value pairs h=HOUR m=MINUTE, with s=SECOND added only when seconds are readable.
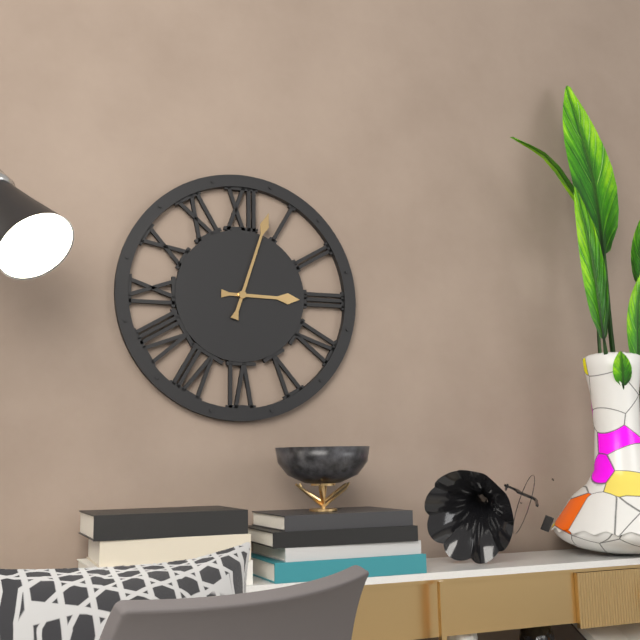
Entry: h=3 m=3
